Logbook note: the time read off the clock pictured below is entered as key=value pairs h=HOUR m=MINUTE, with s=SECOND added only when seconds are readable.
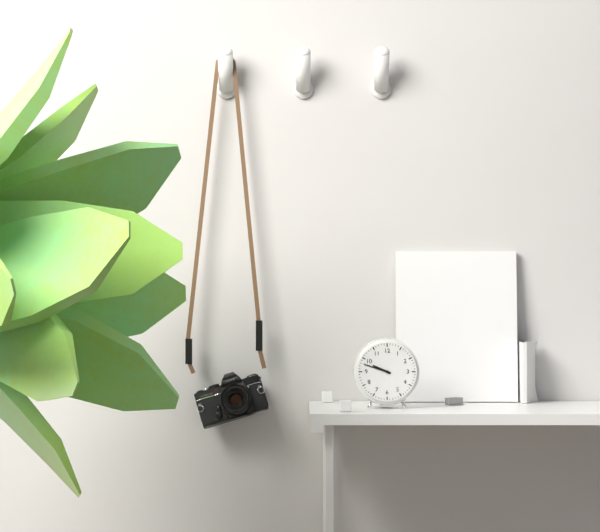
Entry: h=9 m=48
